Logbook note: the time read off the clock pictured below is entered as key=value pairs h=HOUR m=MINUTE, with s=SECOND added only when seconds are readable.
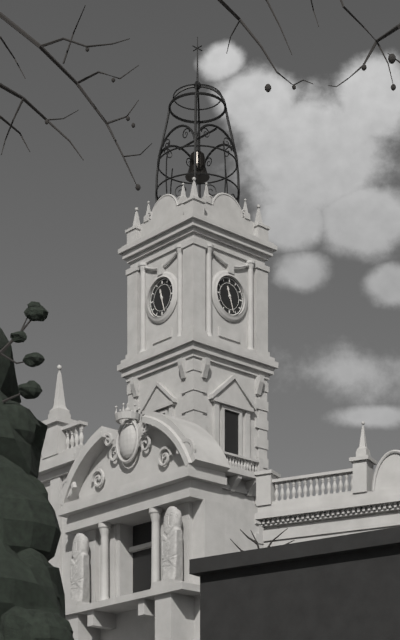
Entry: h=11 m=27
